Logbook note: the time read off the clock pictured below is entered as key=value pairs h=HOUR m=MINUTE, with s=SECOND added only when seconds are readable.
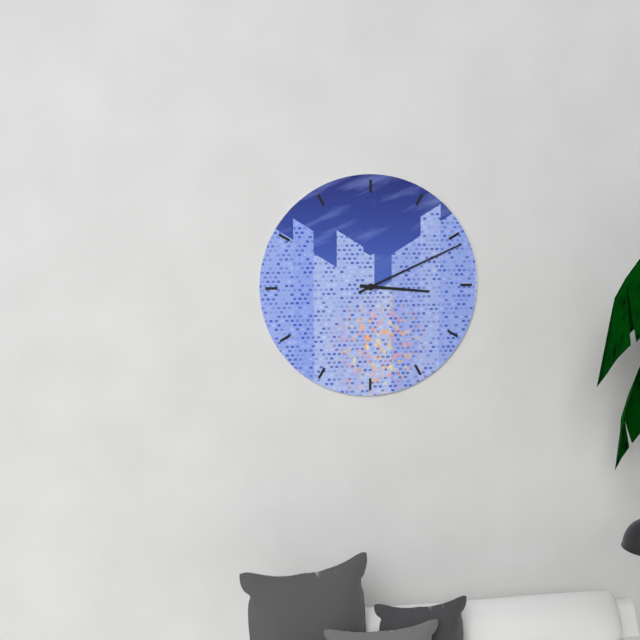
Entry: h=3 m=11
